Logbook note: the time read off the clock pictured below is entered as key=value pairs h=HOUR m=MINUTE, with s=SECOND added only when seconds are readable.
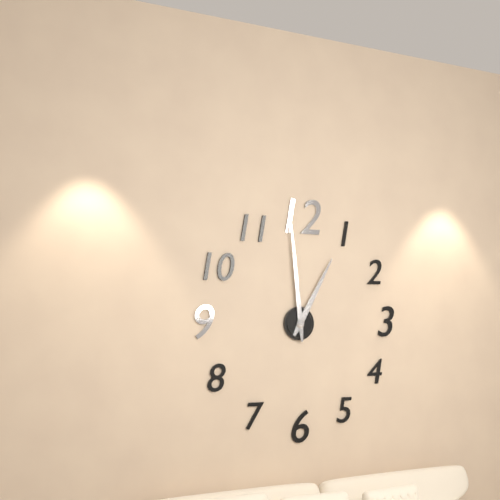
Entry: h=12 m=59
